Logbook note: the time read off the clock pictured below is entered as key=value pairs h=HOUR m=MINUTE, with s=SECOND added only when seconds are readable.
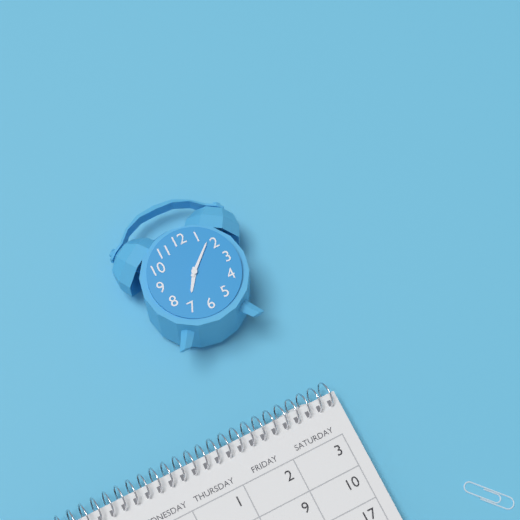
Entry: h=7 m=8
